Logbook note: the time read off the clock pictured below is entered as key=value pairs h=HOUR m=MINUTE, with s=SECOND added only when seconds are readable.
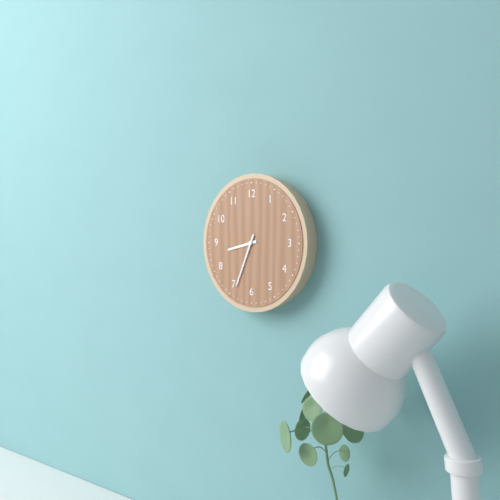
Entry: h=8 m=34
